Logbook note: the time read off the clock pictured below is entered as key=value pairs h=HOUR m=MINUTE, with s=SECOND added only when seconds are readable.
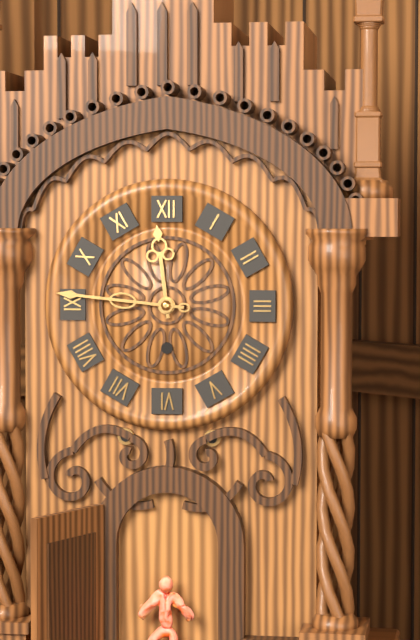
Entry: h=11 m=46
